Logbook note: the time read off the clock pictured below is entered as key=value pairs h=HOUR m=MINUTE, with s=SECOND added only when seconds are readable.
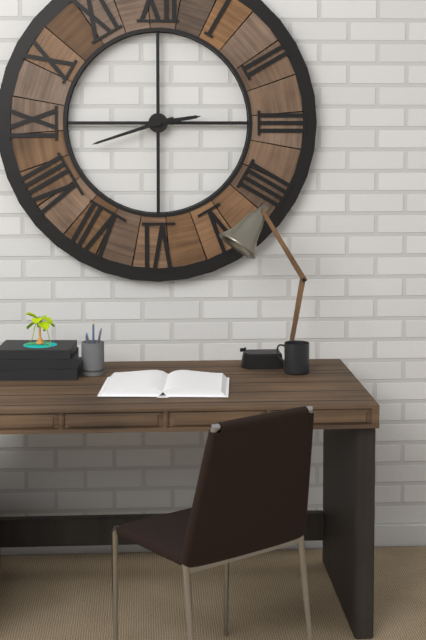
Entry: h=2 m=42
